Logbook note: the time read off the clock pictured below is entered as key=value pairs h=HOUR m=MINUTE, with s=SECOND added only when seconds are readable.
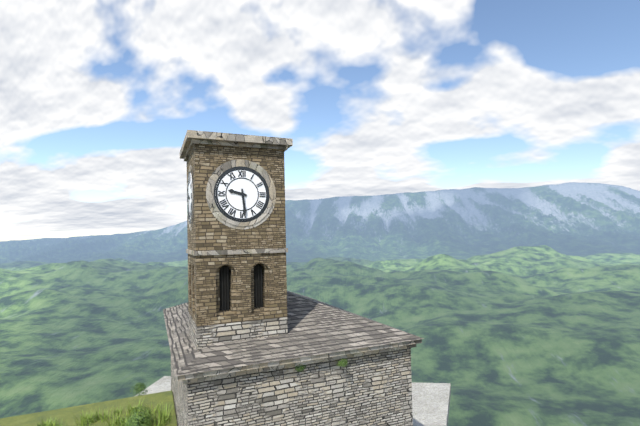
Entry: h=9 m=29
